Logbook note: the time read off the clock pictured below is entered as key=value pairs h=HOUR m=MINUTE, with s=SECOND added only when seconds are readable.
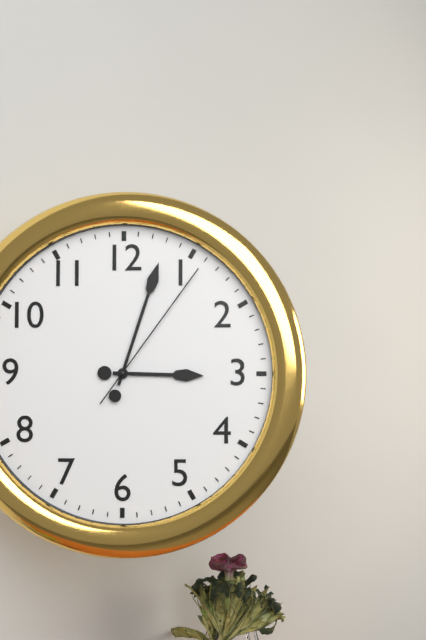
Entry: h=3 m=3 s=6
